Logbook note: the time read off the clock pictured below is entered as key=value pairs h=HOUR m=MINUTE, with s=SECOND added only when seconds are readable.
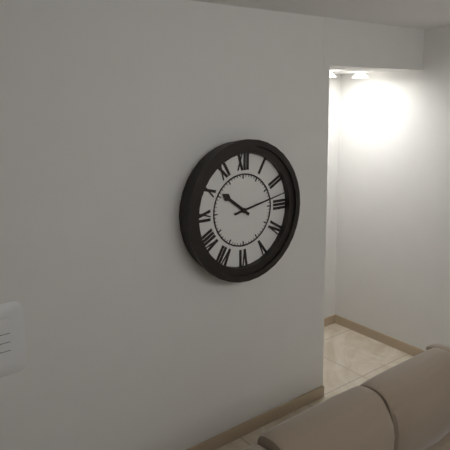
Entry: h=10 m=13
